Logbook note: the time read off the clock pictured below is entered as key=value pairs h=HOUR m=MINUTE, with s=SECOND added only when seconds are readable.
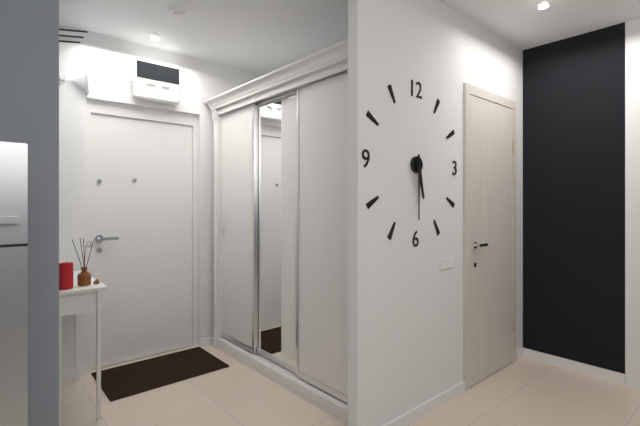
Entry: h=5 m=30
